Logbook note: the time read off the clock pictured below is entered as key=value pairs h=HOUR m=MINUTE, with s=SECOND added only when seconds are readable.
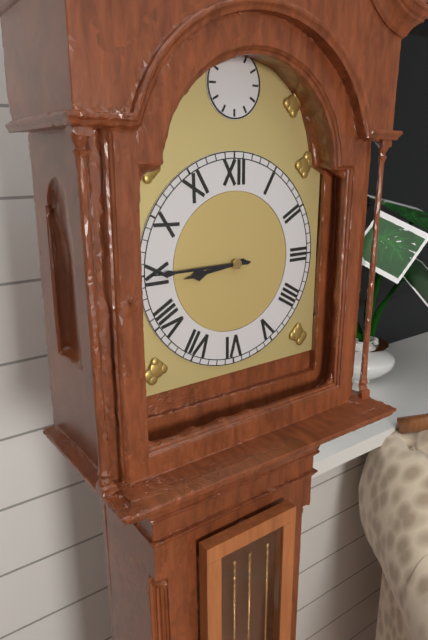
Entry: h=8 m=45
